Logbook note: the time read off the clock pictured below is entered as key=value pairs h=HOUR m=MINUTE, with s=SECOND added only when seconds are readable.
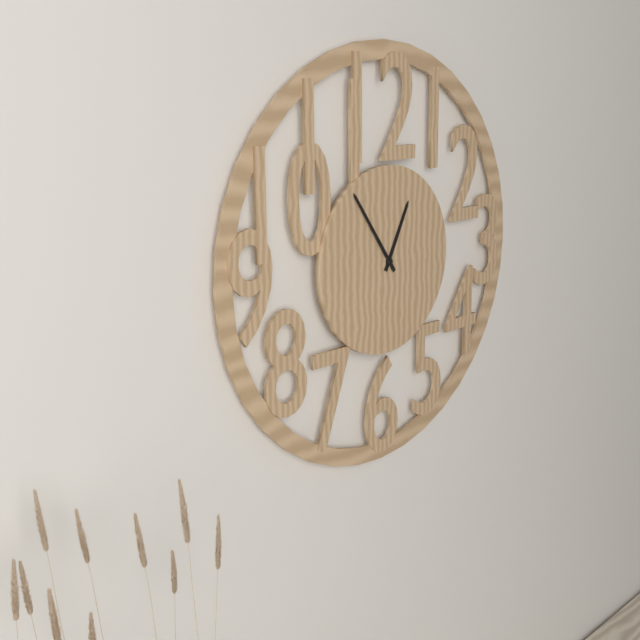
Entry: h=12 m=54
